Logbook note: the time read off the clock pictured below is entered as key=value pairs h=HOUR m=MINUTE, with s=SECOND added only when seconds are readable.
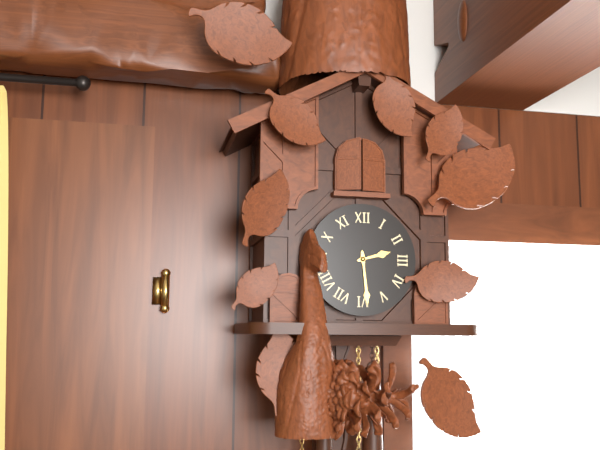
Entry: h=2 m=29
